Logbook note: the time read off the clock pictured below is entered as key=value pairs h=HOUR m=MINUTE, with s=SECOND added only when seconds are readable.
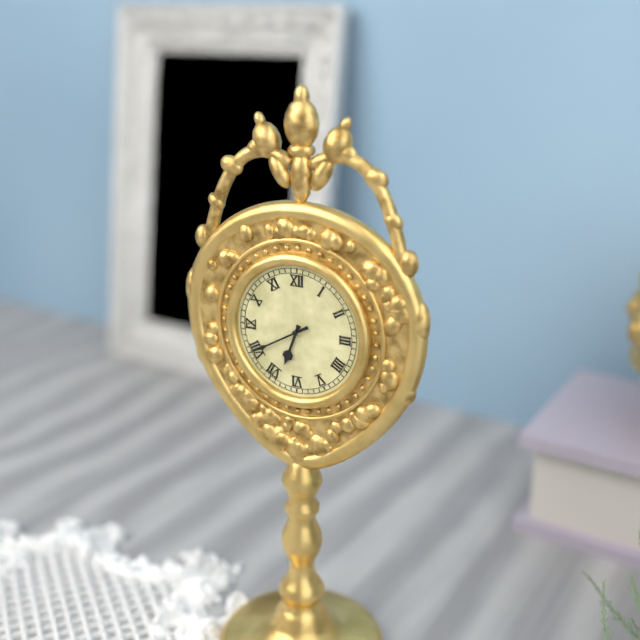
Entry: h=6 m=40
